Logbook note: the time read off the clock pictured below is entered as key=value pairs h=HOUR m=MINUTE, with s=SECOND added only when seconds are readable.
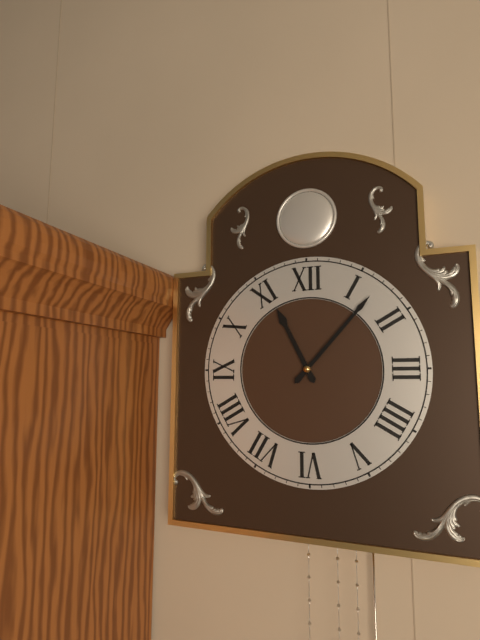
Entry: h=11 m=7
